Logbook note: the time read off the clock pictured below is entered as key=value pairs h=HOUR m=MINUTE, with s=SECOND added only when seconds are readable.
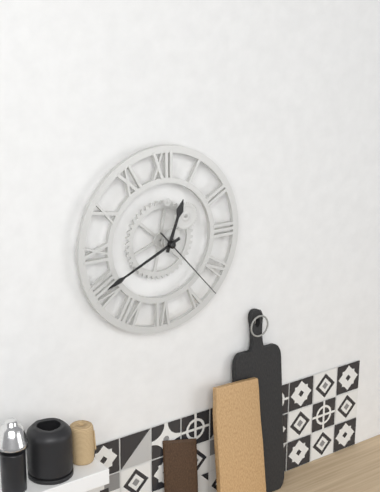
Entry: h=12 m=41 s=23
